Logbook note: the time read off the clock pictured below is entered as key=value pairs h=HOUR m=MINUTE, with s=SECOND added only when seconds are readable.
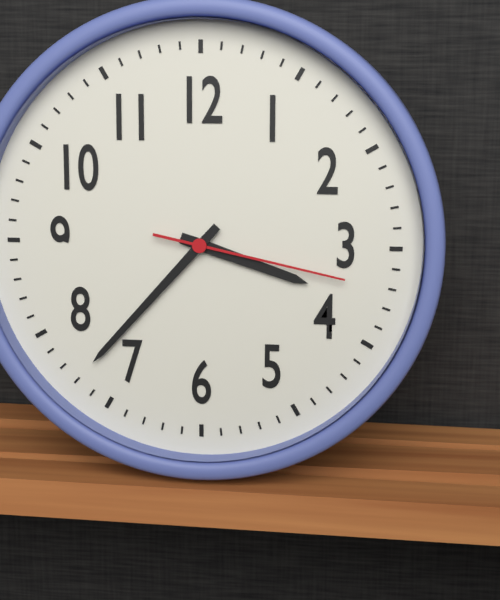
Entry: h=3 m=37 s=17
